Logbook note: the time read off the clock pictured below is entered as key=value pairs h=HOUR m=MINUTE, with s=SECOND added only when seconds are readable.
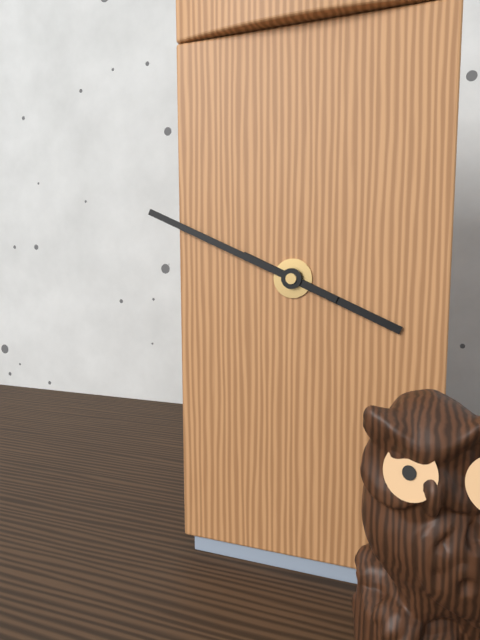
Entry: h=3 m=49
